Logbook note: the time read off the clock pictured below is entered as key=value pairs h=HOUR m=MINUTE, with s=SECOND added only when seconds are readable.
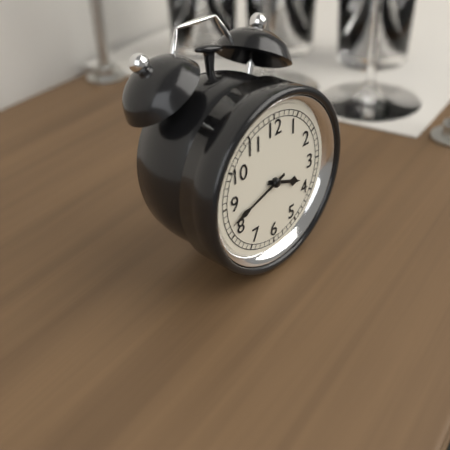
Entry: h=3 m=42
